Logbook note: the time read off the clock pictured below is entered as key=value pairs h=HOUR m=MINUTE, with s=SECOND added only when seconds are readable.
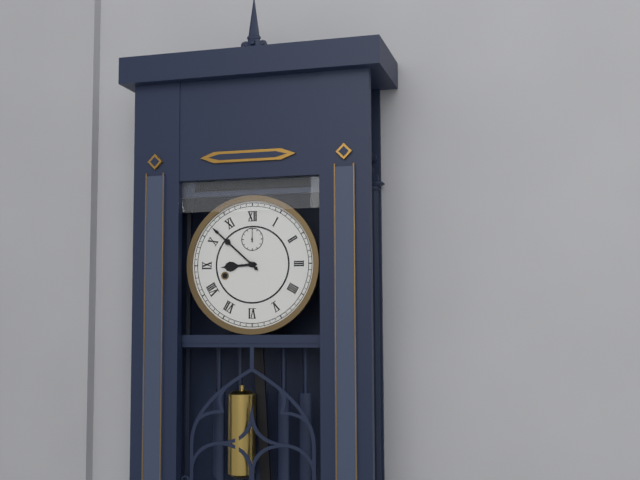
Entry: h=8 m=52
